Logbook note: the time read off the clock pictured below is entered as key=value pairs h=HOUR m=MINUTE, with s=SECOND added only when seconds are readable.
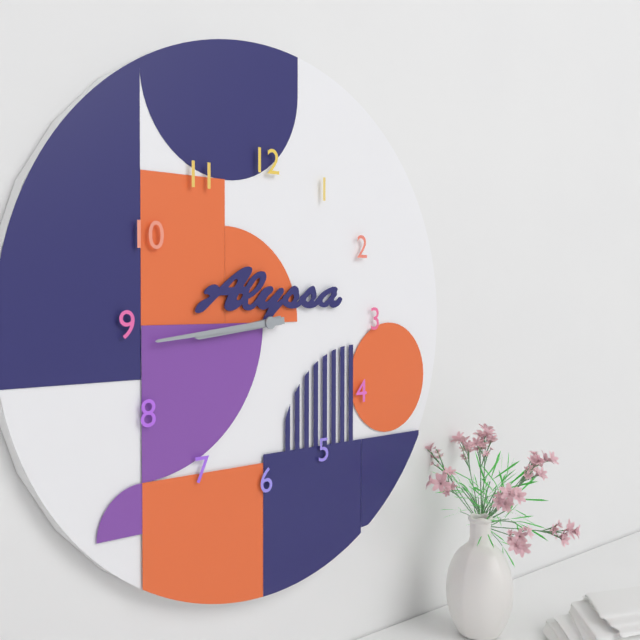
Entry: h=8 m=44
